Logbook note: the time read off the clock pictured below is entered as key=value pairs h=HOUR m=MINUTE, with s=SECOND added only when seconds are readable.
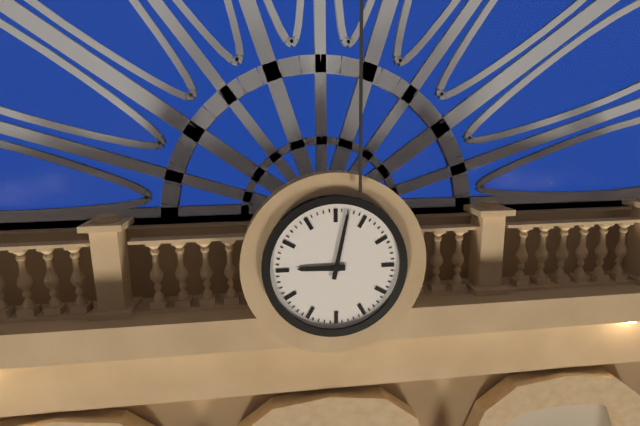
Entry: h=9 m=2
